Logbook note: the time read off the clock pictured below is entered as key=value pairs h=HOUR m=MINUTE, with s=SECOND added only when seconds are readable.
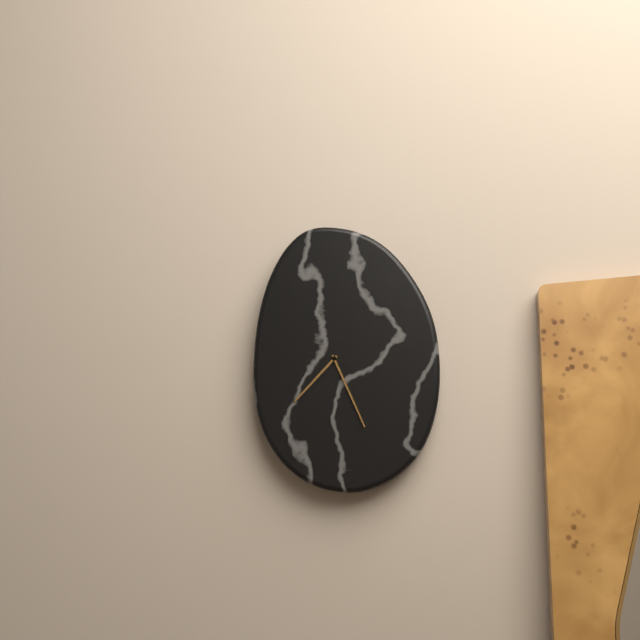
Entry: h=7 m=26
